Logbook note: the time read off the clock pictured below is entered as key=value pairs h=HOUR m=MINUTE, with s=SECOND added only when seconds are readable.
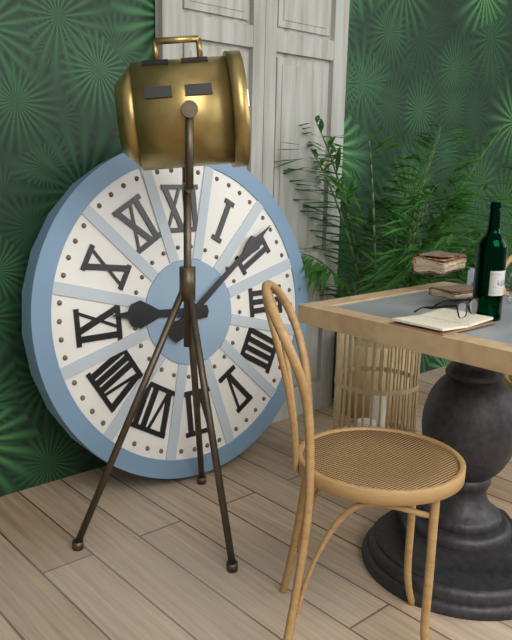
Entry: h=9 m=9
